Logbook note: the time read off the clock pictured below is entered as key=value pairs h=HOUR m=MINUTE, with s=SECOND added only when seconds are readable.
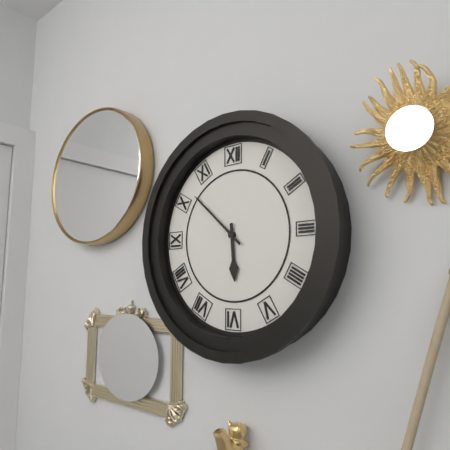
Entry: h=5 m=52
